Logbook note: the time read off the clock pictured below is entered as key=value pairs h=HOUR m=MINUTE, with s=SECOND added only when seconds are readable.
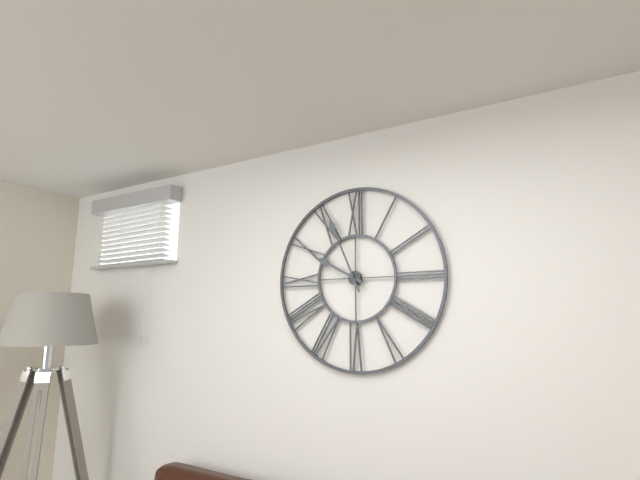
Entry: h=9 m=56
